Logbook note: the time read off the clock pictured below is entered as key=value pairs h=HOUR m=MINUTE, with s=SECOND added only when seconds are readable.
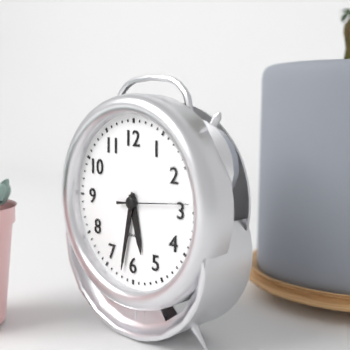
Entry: h=5 m=32 s=14
